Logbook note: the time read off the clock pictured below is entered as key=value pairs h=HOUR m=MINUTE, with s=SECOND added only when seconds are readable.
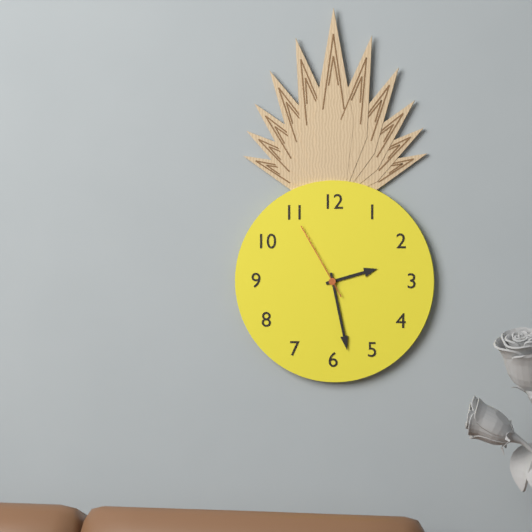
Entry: h=2 m=28 s=55
